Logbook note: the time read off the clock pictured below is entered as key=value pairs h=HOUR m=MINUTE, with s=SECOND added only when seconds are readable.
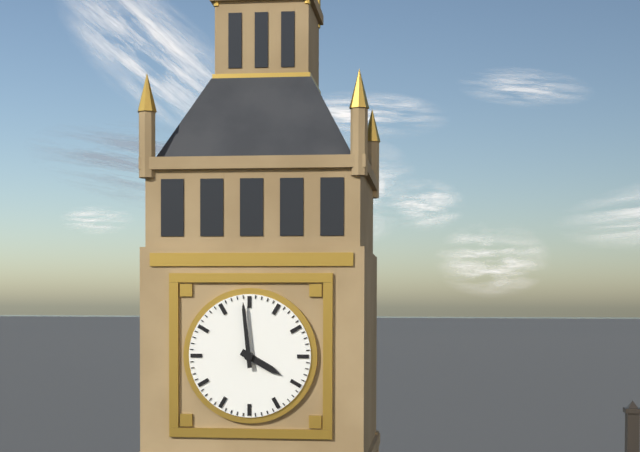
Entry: h=3 m=59
